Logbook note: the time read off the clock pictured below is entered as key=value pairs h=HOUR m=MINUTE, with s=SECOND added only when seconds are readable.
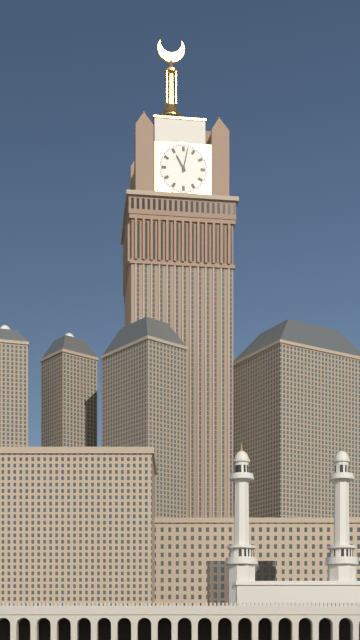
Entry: h=11 m=2
